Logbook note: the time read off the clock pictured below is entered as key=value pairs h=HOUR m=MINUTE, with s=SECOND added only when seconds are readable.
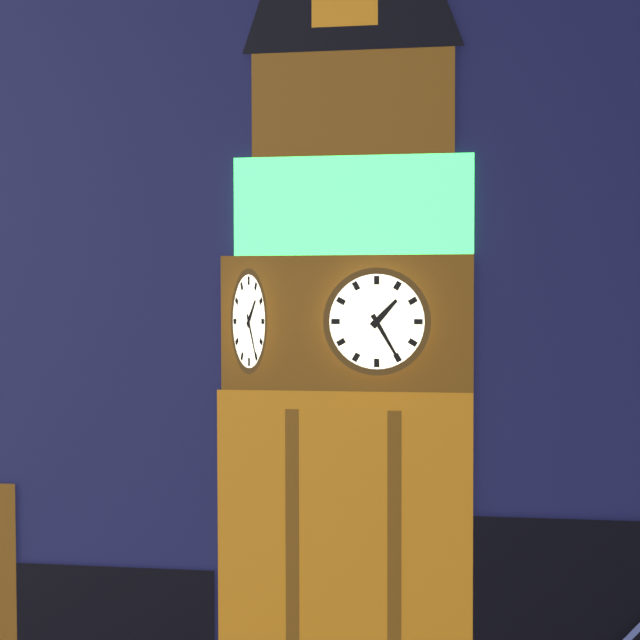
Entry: h=1 m=25
